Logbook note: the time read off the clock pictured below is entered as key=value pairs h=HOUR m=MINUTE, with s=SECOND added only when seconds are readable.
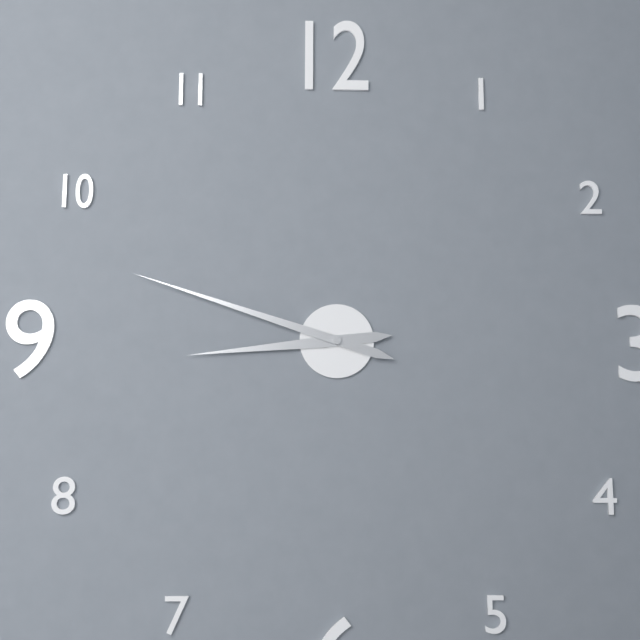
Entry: h=8 m=48
